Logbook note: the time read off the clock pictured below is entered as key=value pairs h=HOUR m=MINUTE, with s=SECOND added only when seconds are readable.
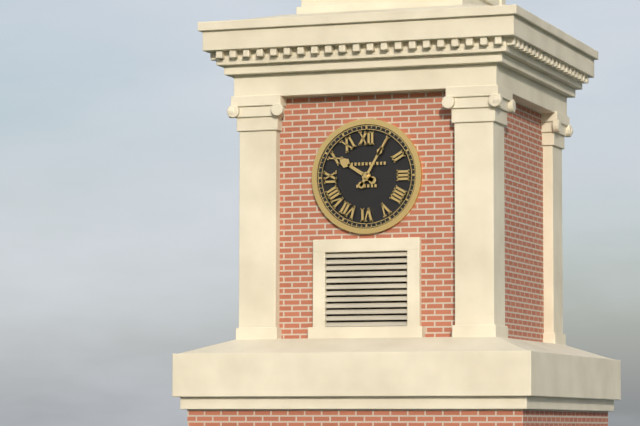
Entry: h=10 m=5
